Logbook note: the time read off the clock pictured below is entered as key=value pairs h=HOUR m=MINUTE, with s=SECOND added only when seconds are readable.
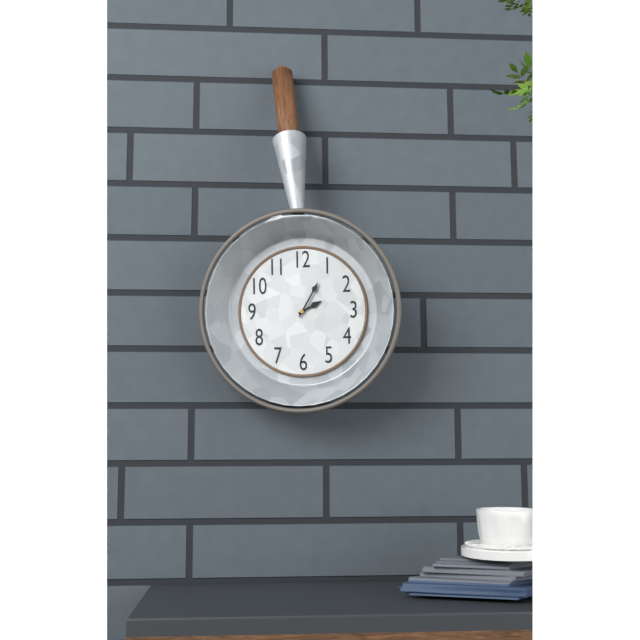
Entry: h=2 m=5
